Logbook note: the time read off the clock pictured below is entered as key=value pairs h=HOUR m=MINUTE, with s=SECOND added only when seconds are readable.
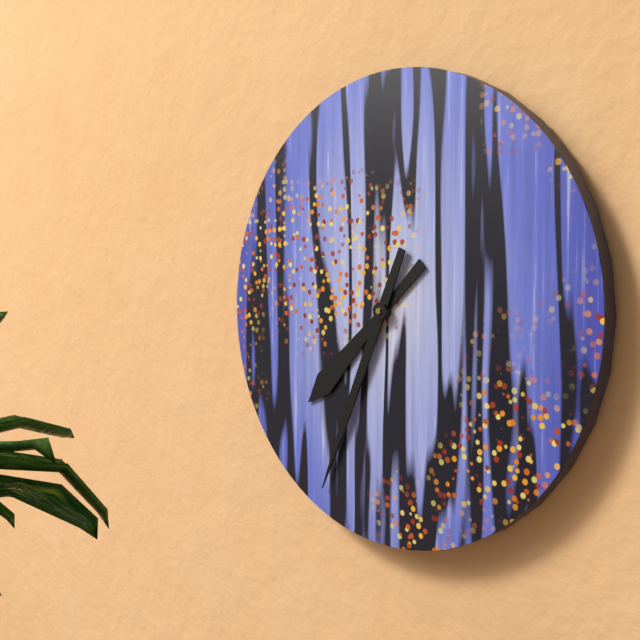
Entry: h=7 m=34
